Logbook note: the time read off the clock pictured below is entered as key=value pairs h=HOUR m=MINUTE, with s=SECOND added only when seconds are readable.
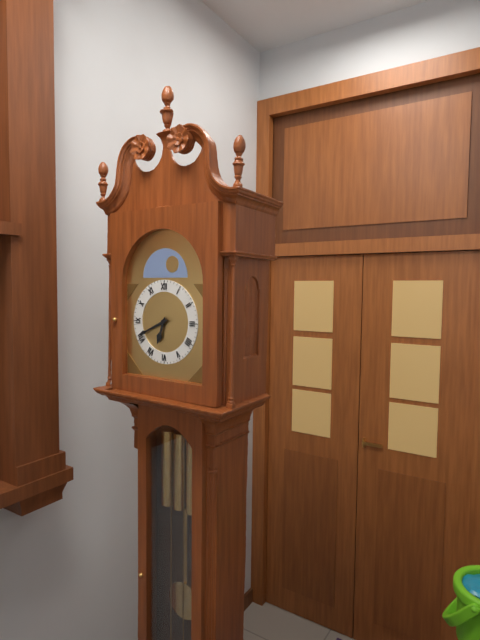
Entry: h=6 m=41
